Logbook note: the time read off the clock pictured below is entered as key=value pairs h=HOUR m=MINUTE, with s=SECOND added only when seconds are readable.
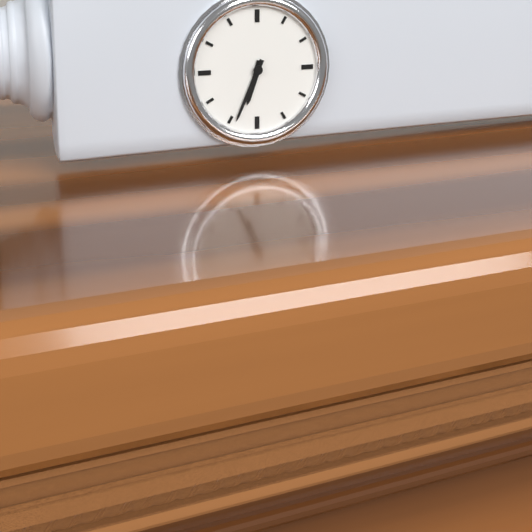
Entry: h=6 m=34
